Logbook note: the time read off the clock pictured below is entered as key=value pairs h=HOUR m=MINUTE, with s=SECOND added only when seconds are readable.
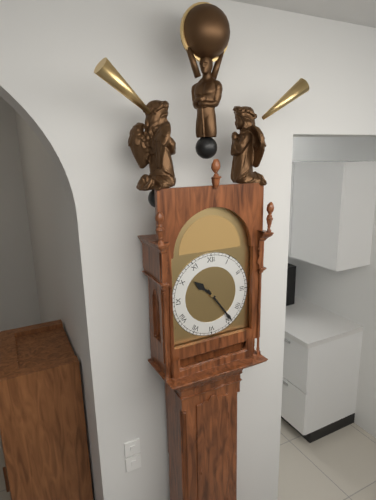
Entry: h=10 m=24
